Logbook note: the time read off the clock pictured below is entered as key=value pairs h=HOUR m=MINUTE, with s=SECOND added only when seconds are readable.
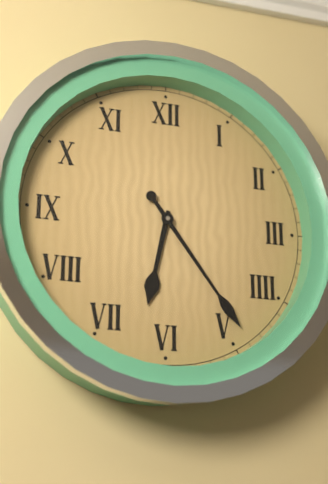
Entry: h=6 m=24
